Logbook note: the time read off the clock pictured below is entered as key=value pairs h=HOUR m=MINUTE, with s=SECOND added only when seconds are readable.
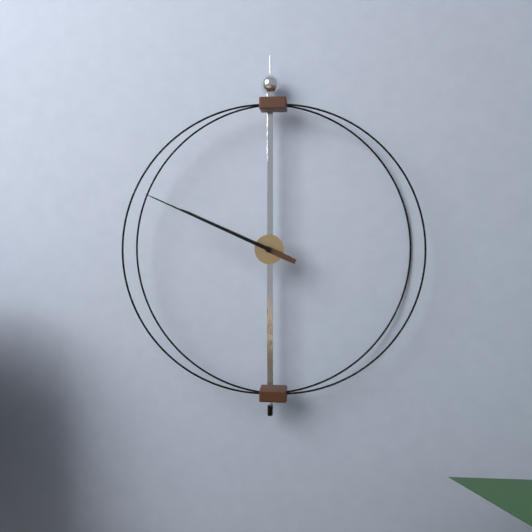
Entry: h=9 m=49
